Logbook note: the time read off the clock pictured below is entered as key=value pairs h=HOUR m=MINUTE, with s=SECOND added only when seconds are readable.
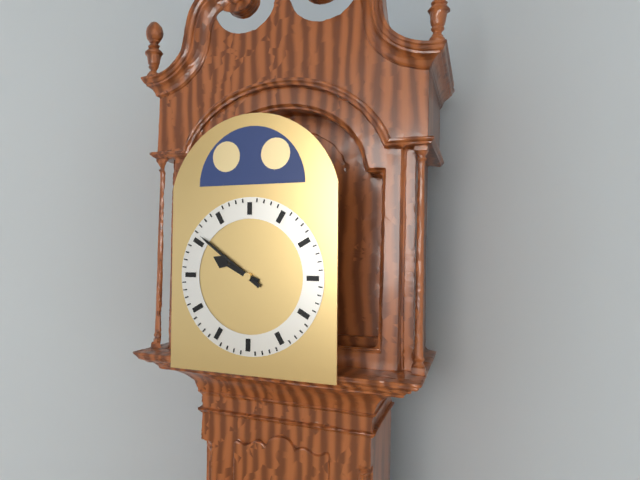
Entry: h=9 m=51
